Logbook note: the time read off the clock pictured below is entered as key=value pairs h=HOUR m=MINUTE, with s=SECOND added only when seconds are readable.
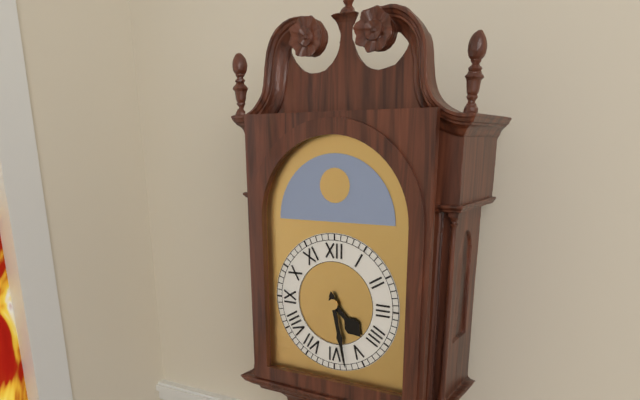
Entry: h=4 m=28
